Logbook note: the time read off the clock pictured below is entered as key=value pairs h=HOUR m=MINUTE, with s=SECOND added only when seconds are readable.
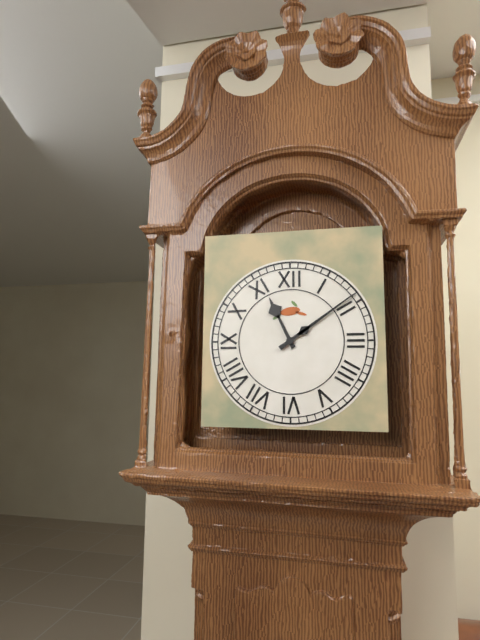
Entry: h=11 m=9
